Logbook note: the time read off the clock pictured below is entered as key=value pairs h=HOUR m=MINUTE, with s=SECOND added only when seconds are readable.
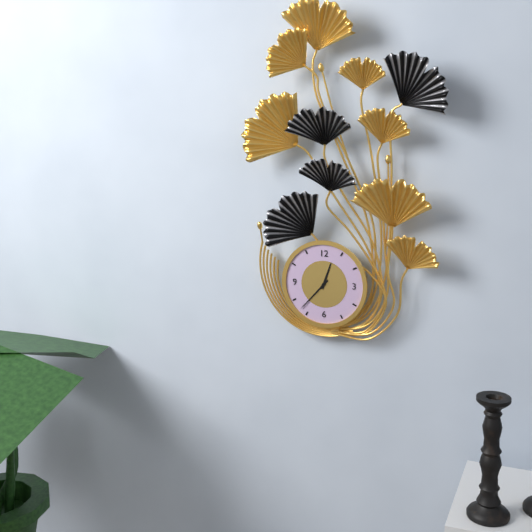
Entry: h=12 m=37
